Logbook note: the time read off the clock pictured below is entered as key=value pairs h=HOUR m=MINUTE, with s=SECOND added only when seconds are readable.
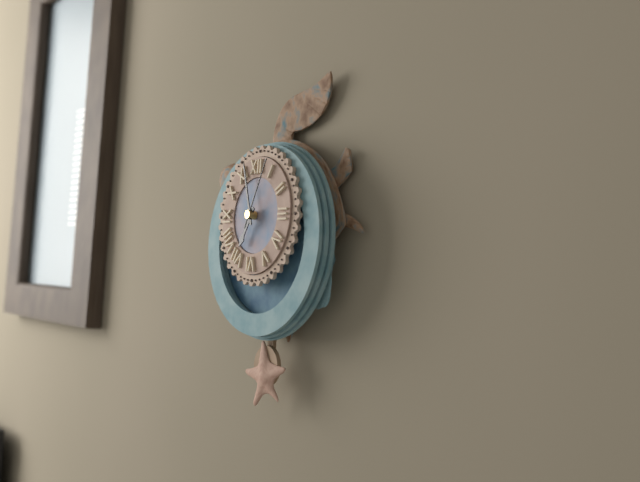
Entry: h=6 m=57 s=4
